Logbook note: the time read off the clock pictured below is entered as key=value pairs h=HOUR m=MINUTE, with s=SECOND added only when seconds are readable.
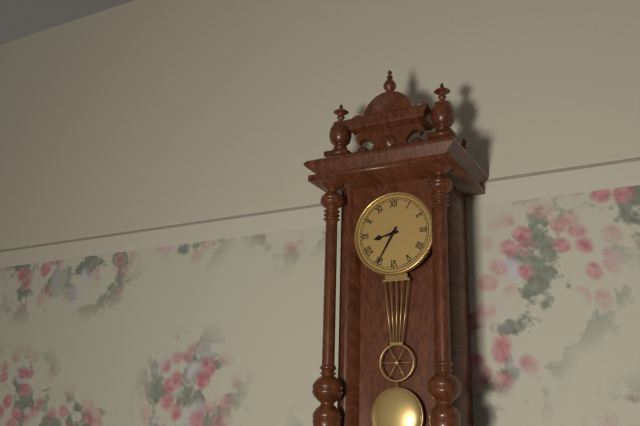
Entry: h=8 m=35
